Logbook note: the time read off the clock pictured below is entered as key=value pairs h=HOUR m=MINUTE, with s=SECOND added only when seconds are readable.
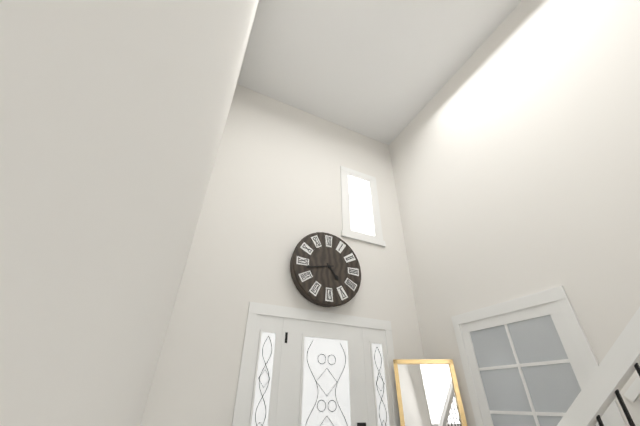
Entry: h=4 m=43
